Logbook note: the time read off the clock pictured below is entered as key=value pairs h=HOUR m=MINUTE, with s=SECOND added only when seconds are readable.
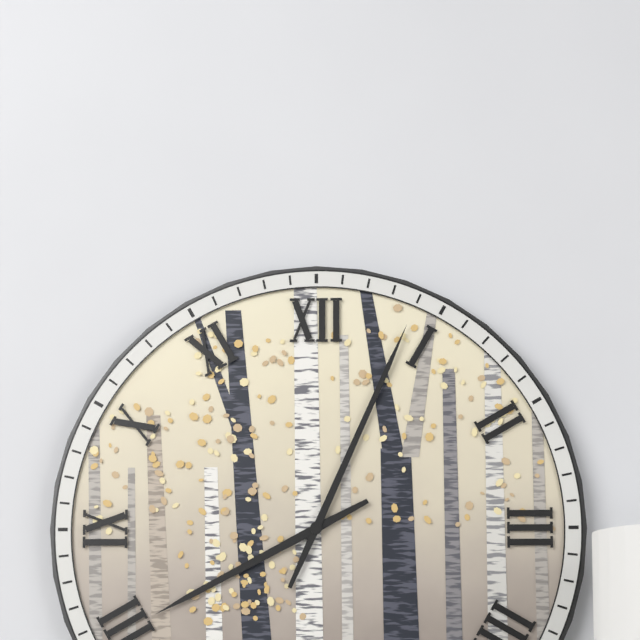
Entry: h=8 m=4
